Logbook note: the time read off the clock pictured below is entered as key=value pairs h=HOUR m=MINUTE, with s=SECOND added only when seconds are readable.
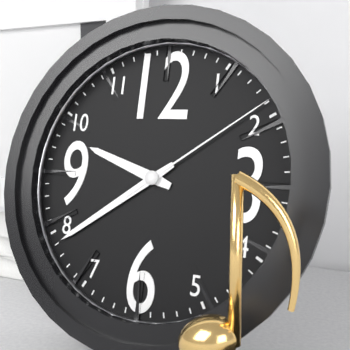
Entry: h=9 m=39 s=9
